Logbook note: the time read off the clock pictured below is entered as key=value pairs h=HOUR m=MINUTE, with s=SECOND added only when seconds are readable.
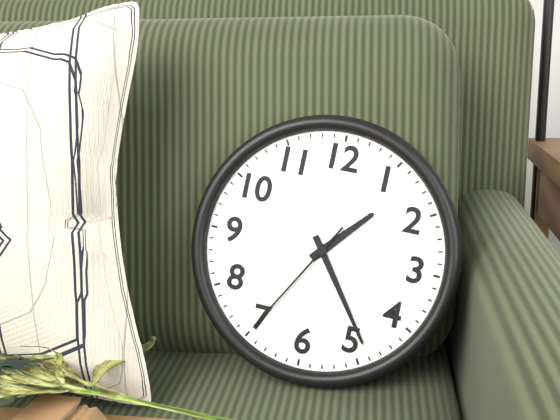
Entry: h=1 m=24 s=35
